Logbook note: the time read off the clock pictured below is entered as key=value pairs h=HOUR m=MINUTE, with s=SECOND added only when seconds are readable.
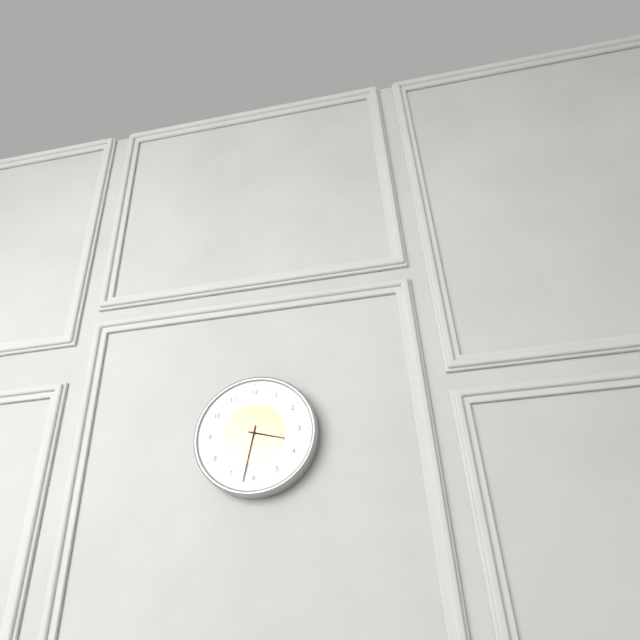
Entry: h=3 m=32
